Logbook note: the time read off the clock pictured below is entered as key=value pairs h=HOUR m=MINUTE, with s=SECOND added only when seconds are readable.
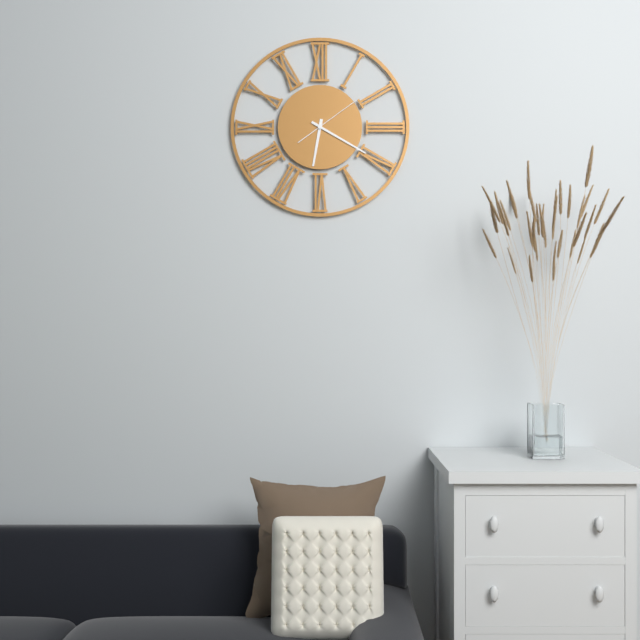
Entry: h=6 m=20 s=9
